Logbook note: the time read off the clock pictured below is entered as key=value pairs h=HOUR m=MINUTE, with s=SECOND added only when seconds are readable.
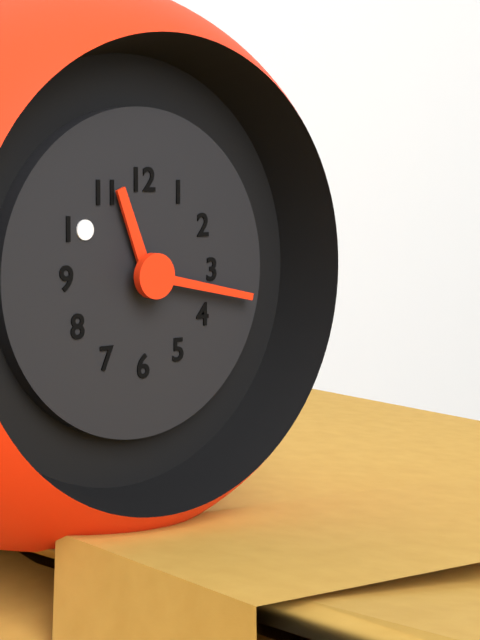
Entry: h=11 m=17
